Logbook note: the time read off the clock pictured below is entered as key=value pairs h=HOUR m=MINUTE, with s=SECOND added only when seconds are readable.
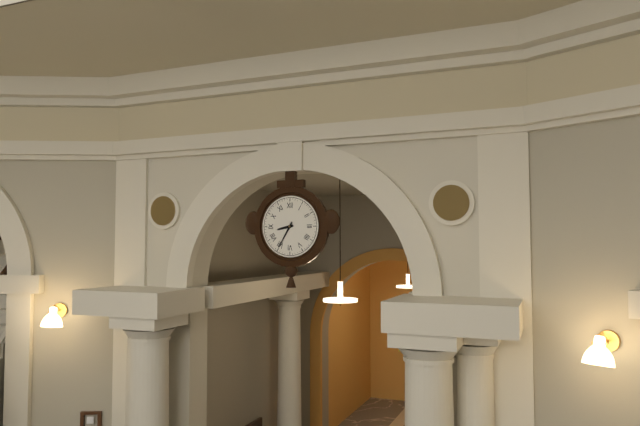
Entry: h=8 m=35
